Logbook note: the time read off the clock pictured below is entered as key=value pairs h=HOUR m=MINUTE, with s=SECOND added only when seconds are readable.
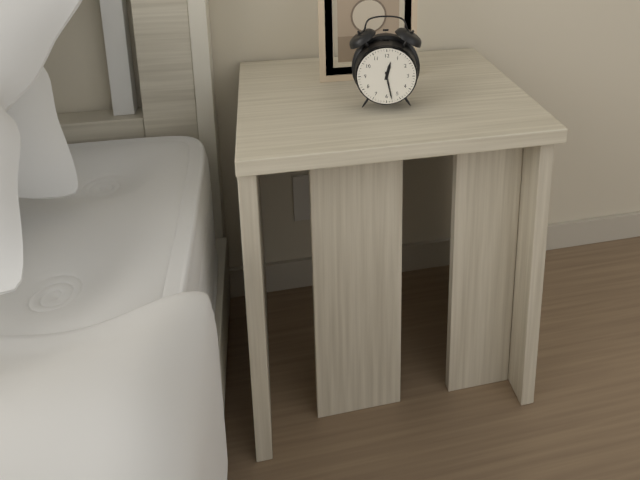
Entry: h=12 m=28
